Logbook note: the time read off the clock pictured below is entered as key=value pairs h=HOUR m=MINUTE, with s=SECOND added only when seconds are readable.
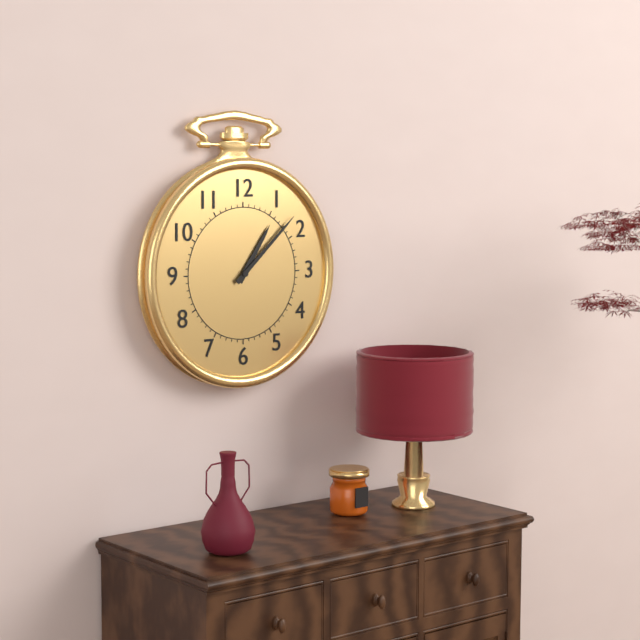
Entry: h=1 m=8
